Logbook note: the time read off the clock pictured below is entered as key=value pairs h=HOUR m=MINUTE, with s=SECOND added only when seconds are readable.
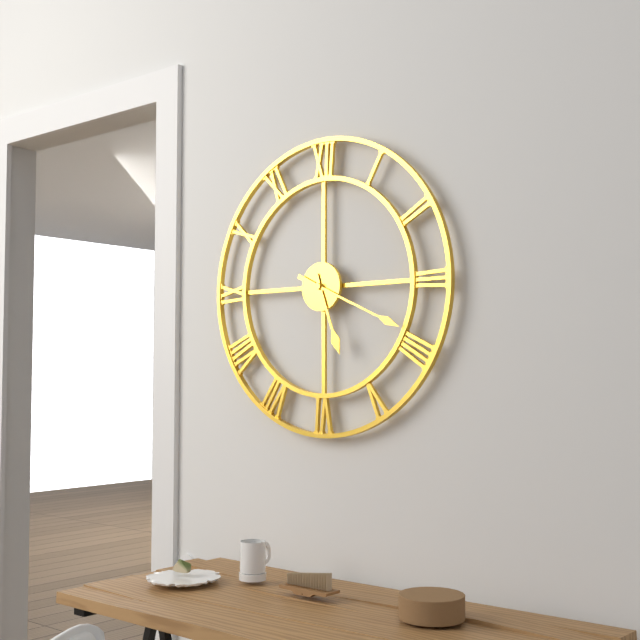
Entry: h=5 m=19
